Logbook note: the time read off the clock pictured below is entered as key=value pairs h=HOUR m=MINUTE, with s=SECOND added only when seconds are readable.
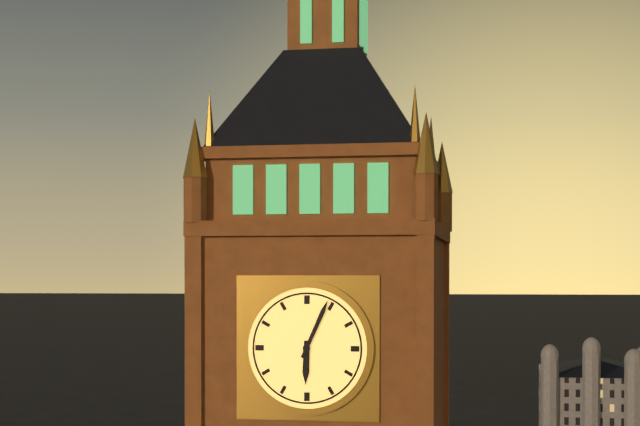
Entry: h=6 m=4
